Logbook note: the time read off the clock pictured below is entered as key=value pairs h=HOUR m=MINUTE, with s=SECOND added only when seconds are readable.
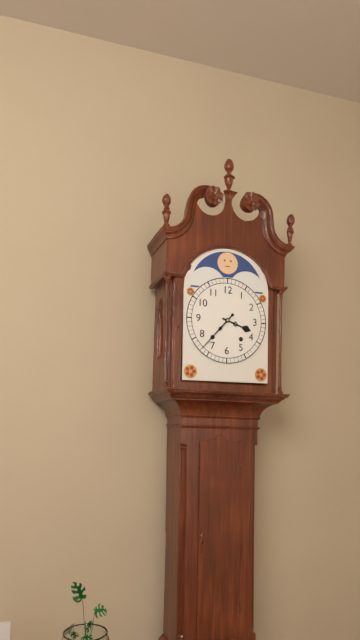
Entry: h=3 m=37
